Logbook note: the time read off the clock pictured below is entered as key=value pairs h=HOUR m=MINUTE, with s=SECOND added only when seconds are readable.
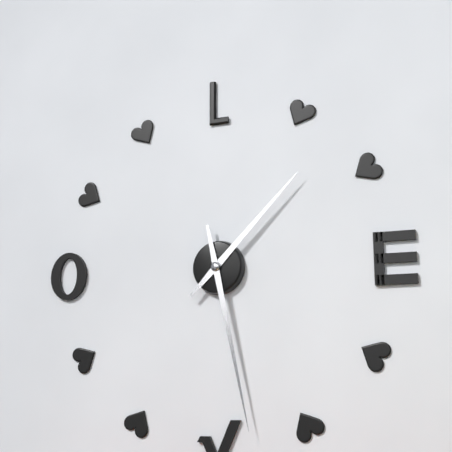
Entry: h=1 m=28
